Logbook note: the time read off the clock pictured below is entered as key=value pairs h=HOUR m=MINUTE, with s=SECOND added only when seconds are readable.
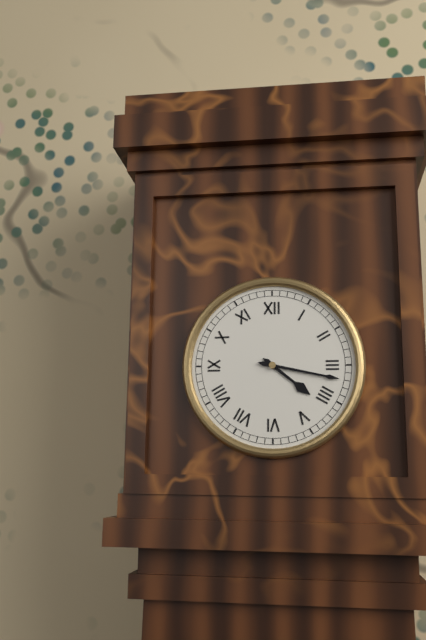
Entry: h=4 m=17
